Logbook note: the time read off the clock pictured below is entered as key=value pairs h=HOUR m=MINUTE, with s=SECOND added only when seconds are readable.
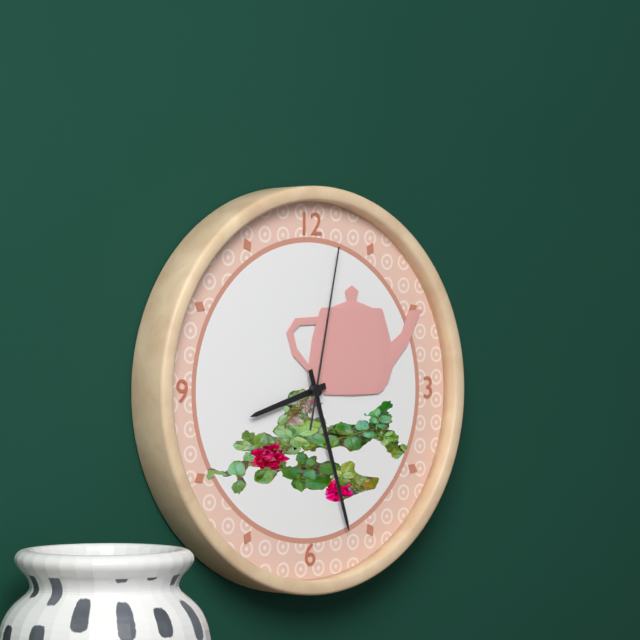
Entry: h=8 m=27 s=2
